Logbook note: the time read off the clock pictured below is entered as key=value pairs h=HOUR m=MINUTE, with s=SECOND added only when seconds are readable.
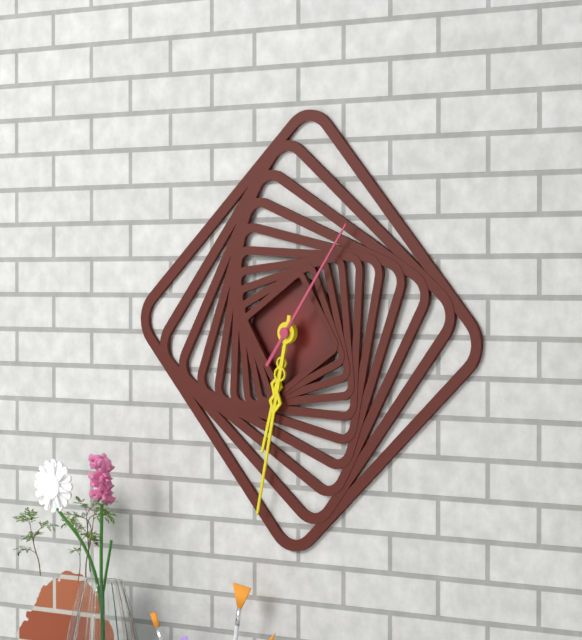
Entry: h=6 m=32 s=6
